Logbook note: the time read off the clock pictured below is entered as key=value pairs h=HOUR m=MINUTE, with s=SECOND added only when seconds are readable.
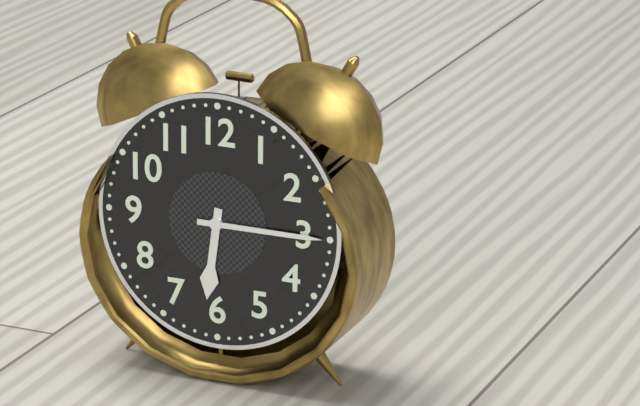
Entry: h=6 m=15
